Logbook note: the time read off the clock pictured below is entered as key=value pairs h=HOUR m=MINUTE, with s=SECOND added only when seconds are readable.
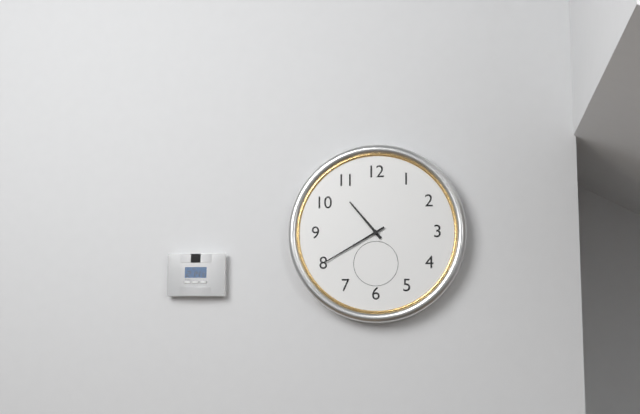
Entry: h=10 m=40
